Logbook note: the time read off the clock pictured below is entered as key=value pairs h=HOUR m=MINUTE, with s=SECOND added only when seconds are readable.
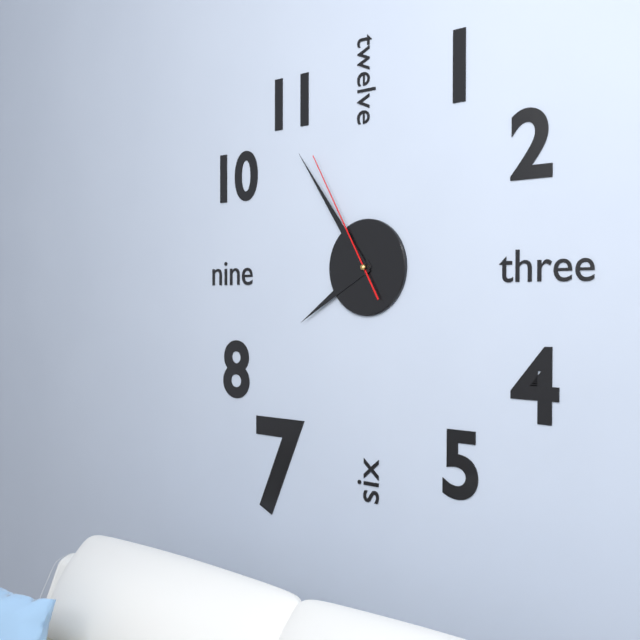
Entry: h=7 m=54 s=55
